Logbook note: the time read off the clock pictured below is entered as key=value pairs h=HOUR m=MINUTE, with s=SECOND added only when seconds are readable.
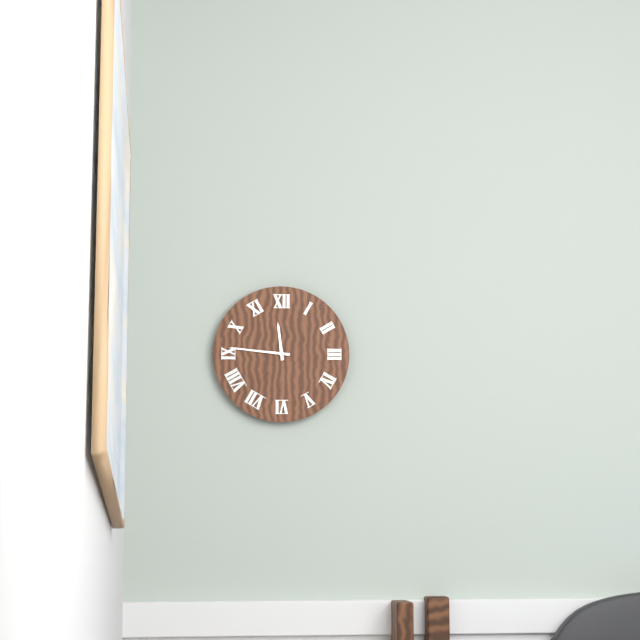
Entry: h=11 m=46
